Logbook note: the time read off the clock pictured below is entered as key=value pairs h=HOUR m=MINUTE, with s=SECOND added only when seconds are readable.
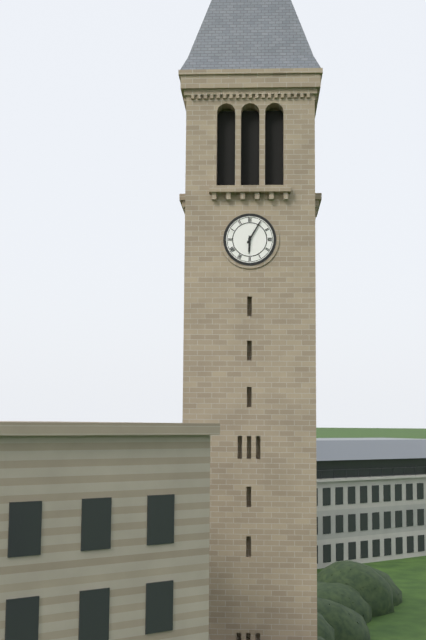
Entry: h=6 m=5
